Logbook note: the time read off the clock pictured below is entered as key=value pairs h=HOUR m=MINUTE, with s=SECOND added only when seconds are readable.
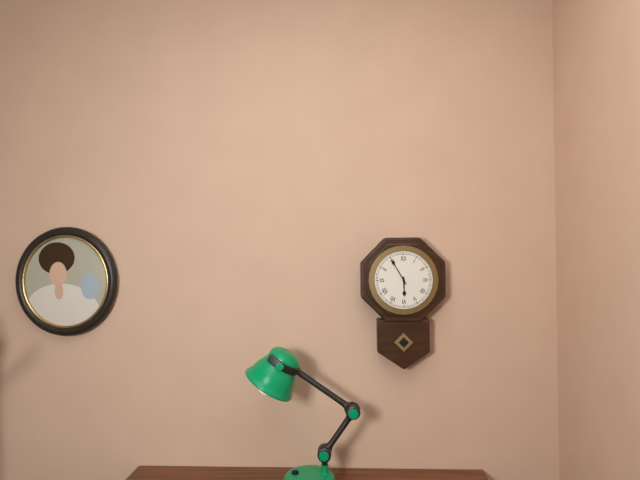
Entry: h=5 m=55
